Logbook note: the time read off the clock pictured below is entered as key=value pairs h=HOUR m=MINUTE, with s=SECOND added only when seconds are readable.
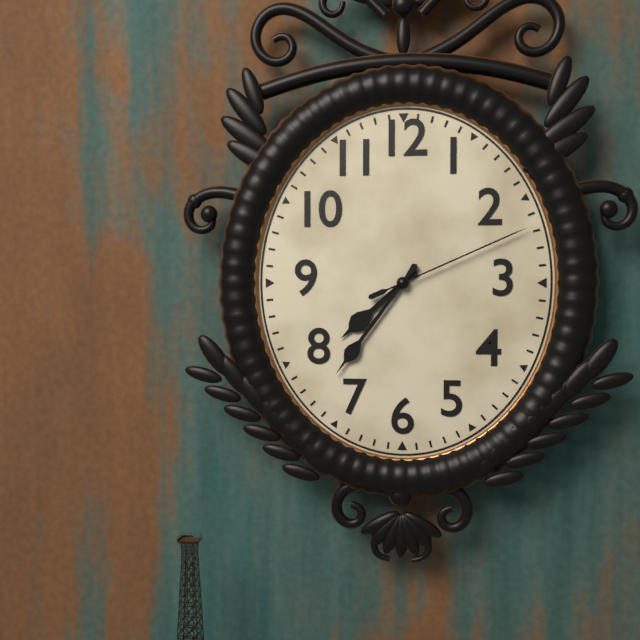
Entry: h=7 m=36 s=11
